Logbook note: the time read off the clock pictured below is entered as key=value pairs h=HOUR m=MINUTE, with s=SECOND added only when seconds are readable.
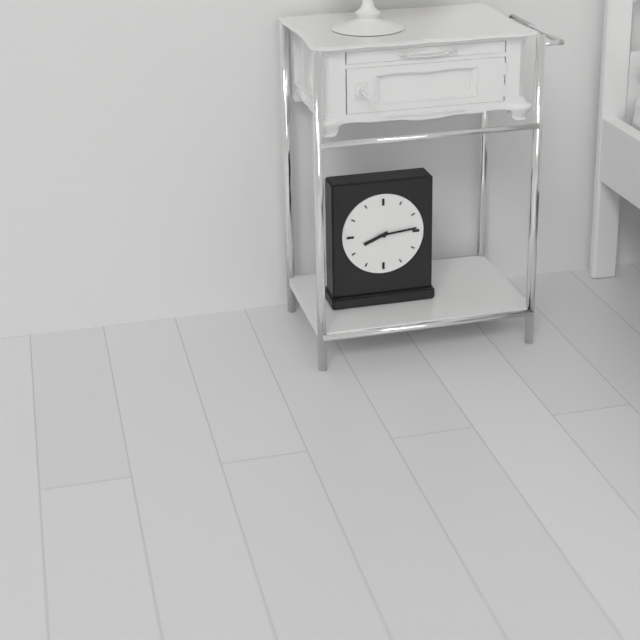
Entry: h=8 m=14
